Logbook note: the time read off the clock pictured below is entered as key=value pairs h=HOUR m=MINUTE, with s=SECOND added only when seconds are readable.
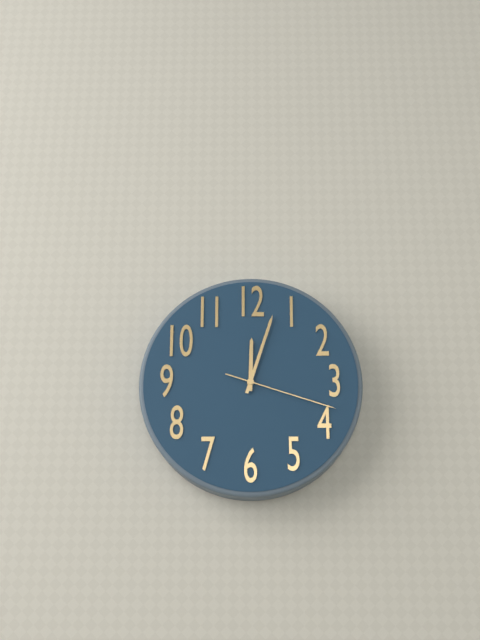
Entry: h=12 m=3 s=18
